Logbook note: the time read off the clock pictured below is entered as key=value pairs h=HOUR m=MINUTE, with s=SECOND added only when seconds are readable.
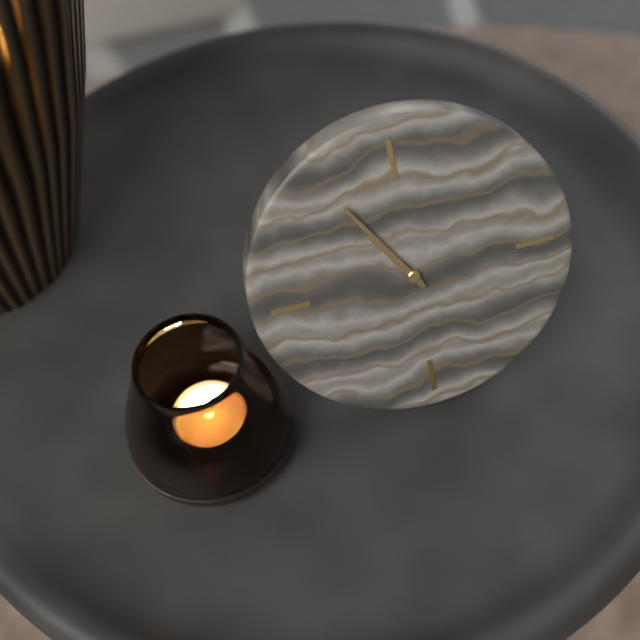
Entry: h=10 m=55
